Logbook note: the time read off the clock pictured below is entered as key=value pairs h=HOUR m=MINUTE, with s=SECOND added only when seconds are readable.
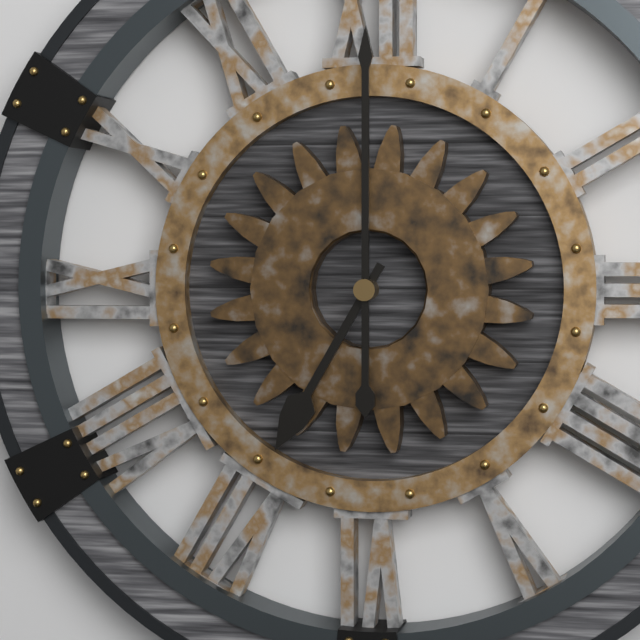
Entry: h=7 m=0
